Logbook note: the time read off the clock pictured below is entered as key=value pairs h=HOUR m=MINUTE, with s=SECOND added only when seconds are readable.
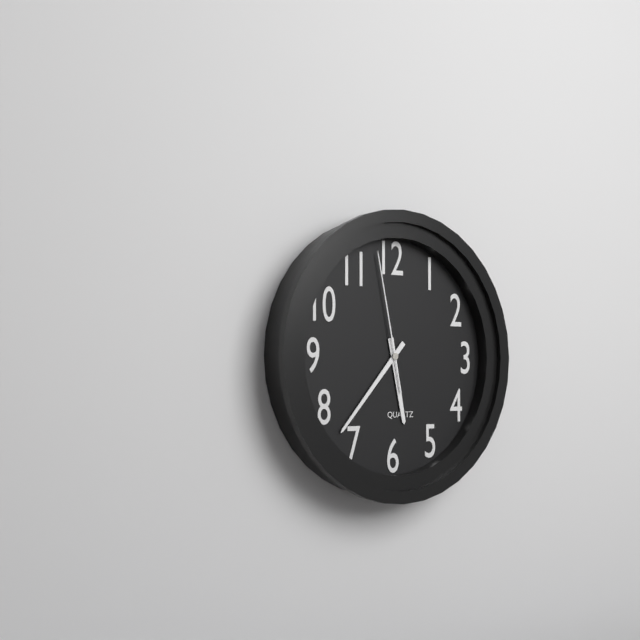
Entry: h=5 m=37 s=58
